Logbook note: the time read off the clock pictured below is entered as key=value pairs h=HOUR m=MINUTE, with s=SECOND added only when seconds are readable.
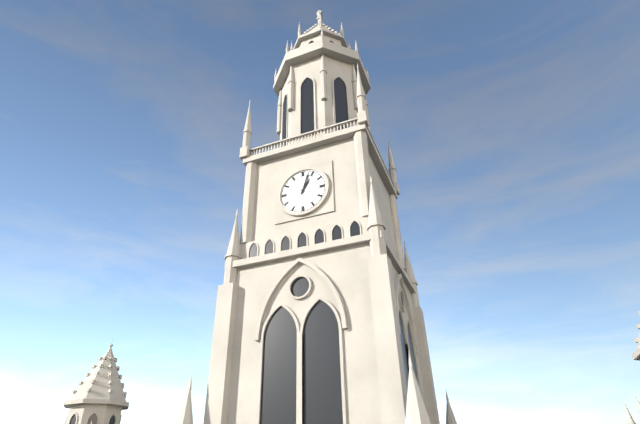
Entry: h=1 m=3
